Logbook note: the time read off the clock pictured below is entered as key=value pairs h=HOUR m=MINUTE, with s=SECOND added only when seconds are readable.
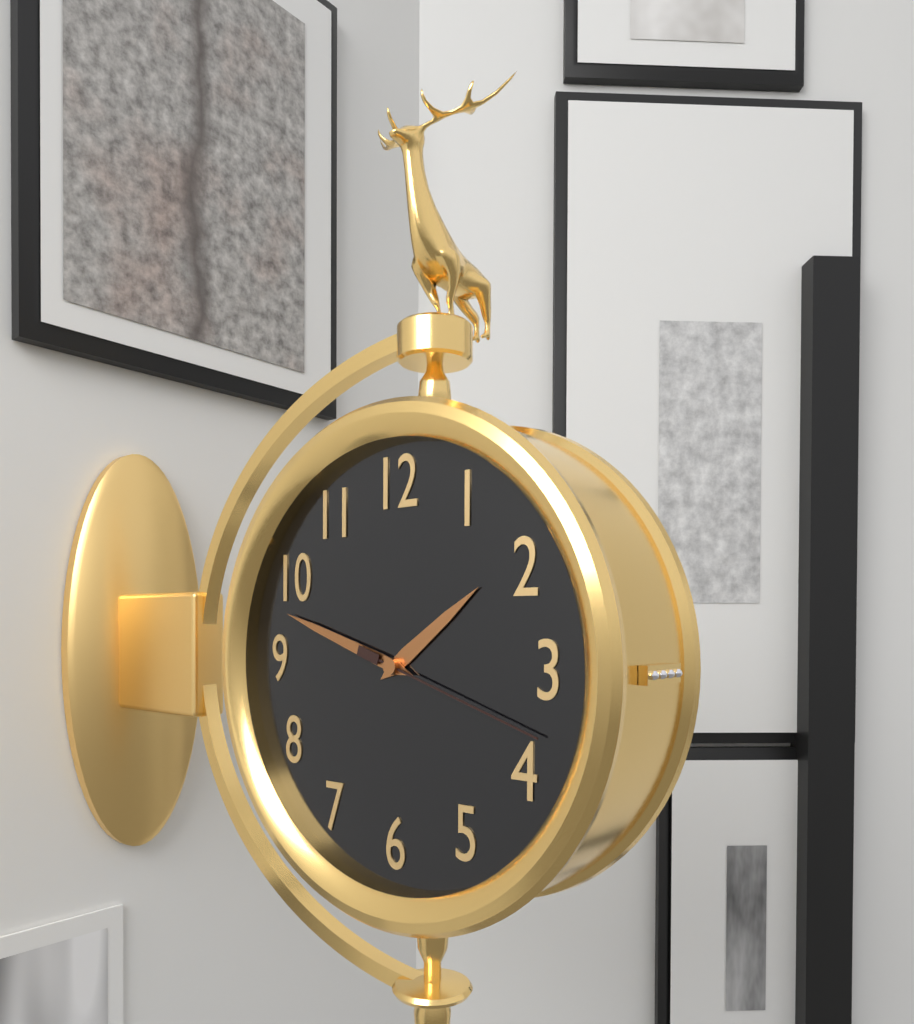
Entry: h=1 m=48 s=18
